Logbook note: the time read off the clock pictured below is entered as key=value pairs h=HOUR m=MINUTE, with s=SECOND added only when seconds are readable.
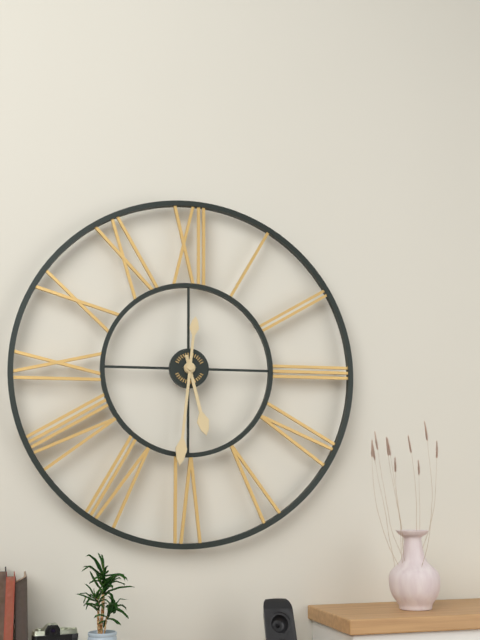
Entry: h=5 m=31
